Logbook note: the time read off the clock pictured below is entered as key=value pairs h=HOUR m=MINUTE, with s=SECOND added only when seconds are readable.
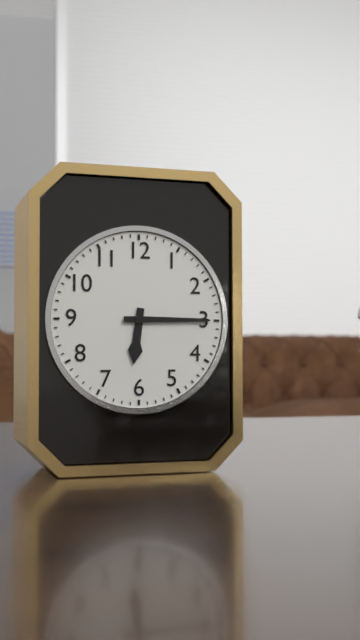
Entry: h=6 m=15
